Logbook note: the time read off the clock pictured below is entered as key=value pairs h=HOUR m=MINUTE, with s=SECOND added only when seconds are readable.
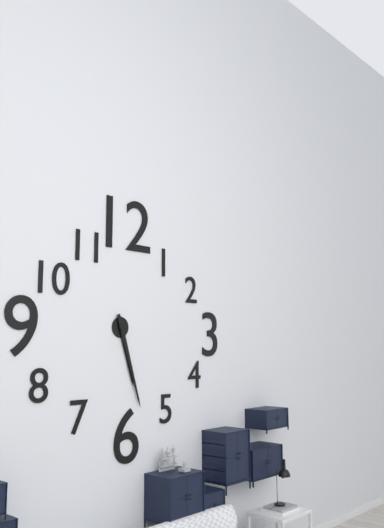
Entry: h=5 m=27
